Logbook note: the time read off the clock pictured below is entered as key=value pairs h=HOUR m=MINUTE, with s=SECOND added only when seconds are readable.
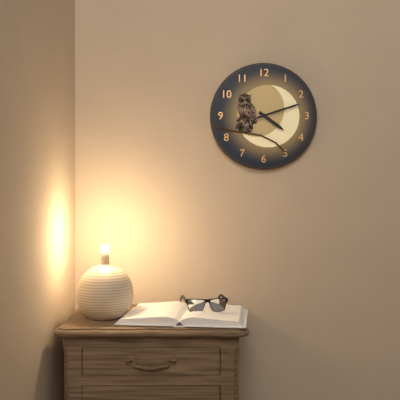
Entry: h=4 m=12
